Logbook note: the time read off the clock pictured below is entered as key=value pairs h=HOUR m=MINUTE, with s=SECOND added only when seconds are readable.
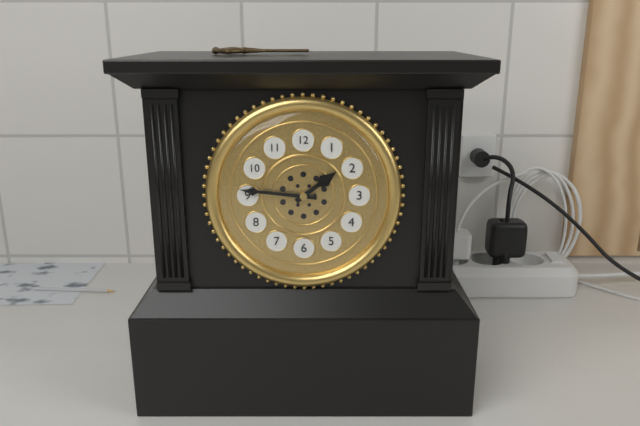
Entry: h=1 m=46
